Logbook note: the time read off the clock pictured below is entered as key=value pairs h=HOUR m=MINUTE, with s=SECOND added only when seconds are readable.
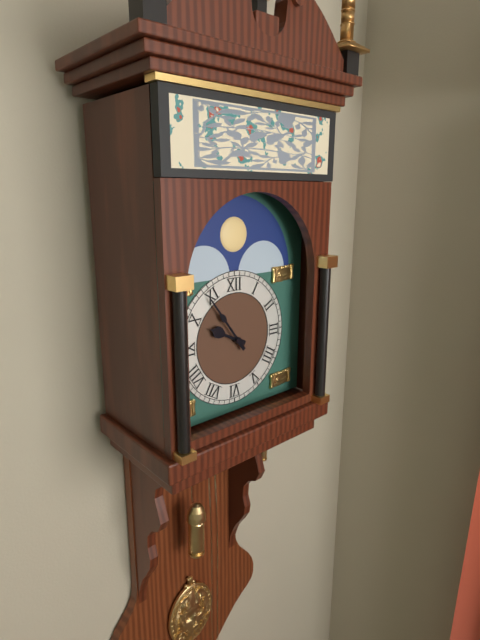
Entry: h=9 m=54
